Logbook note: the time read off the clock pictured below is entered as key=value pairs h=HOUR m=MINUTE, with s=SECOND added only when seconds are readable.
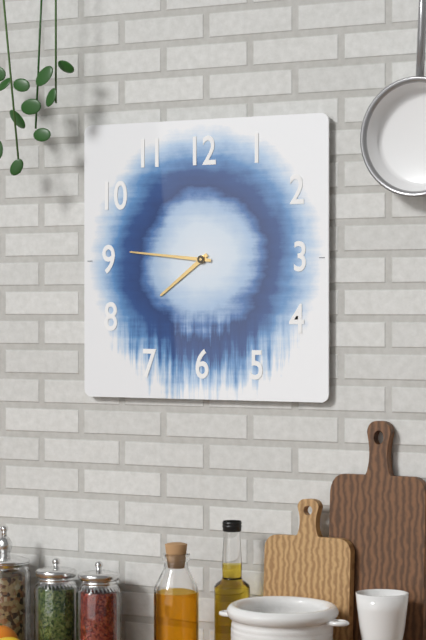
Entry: h=7 m=46
